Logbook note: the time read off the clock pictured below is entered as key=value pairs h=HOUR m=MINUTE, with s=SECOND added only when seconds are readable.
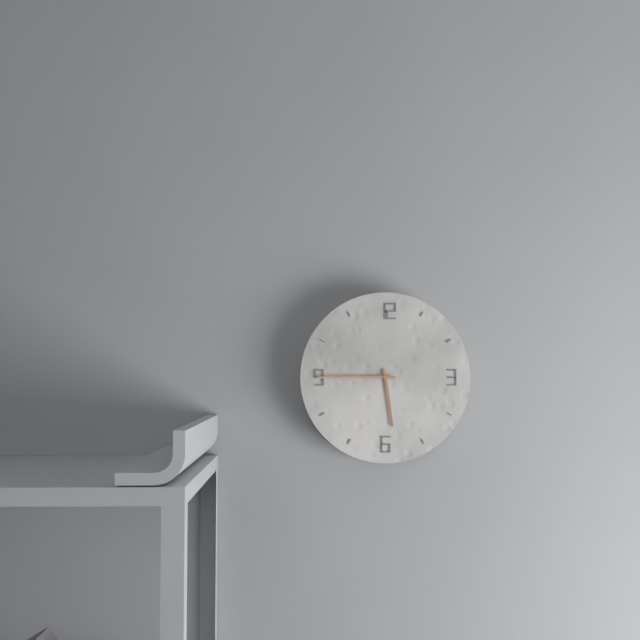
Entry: h=5 m=45
